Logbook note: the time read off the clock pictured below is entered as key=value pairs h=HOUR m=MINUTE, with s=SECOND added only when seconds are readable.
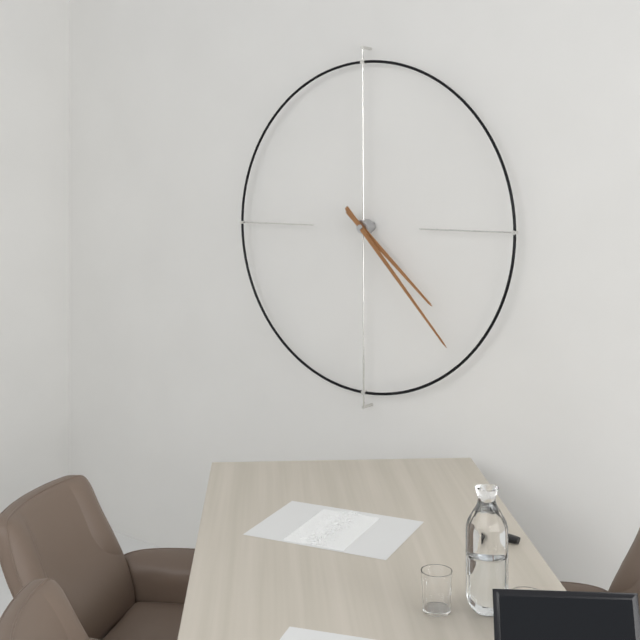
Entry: h=4 m=23
